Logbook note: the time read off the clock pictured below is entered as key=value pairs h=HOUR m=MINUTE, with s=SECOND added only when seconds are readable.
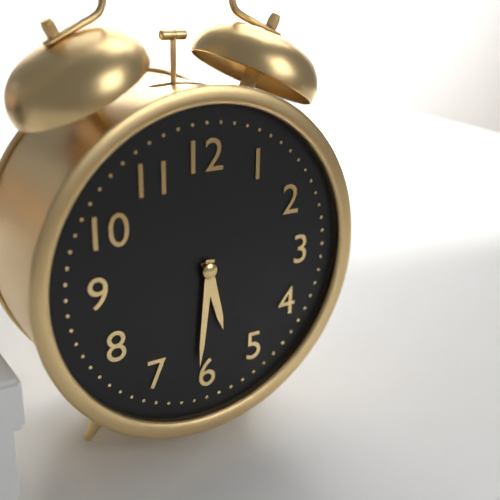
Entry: h=5 m=31
